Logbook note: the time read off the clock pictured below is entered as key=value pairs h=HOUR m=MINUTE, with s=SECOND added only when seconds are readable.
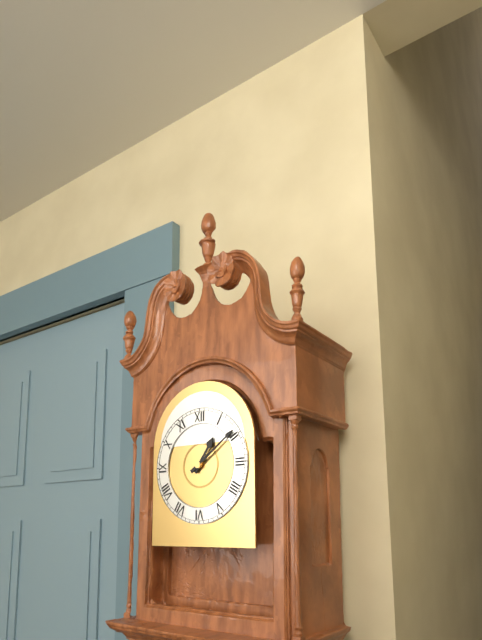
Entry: h=1 m=9
